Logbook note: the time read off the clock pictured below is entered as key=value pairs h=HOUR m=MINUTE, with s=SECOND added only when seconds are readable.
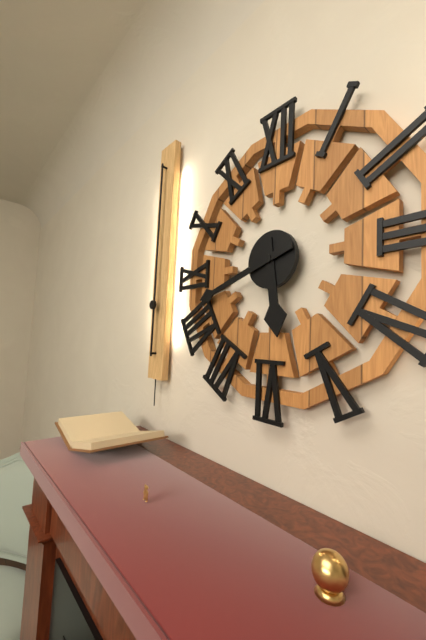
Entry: h=5 m=42
